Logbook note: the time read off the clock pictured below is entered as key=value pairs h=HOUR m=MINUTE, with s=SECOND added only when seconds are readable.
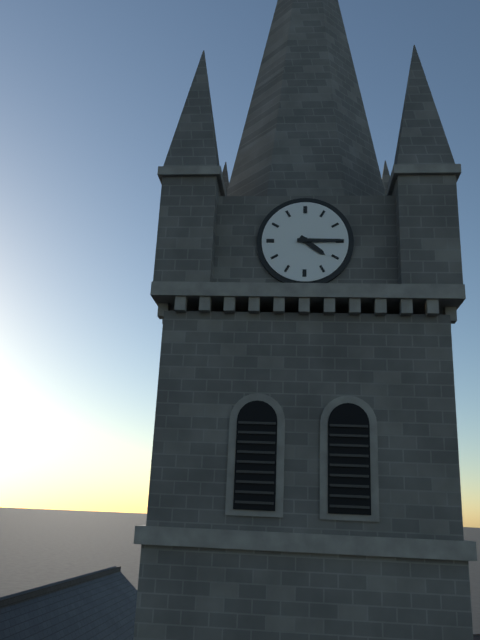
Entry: h=4 m=15
